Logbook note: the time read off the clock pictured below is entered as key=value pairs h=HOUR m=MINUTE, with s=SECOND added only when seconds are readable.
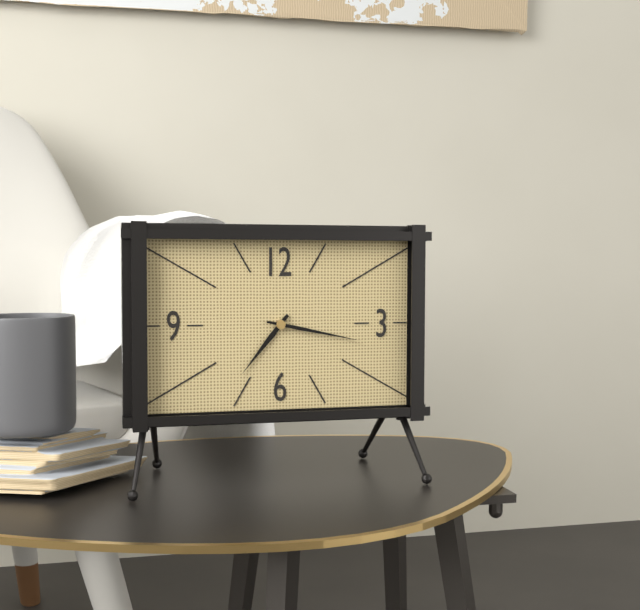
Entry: h=7 m=17
